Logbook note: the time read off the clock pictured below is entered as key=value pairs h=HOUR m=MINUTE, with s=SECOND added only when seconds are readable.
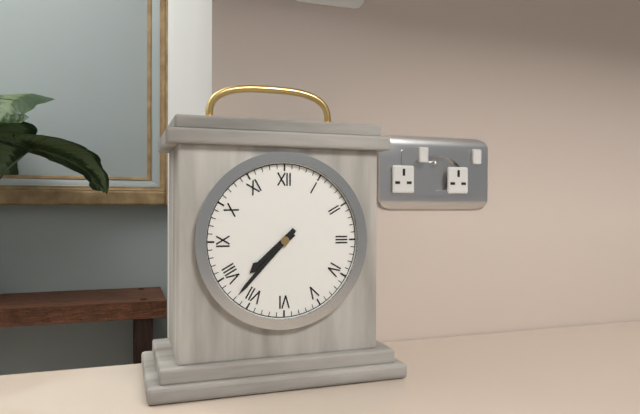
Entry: h=7 m=37
